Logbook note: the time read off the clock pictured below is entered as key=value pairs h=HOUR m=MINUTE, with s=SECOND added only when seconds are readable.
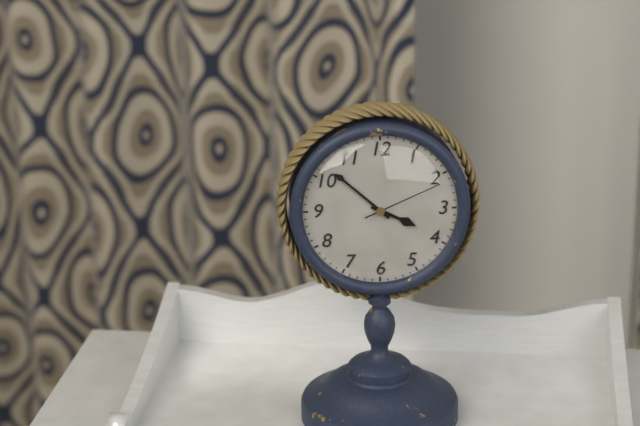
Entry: h=3 m=52 s=11
